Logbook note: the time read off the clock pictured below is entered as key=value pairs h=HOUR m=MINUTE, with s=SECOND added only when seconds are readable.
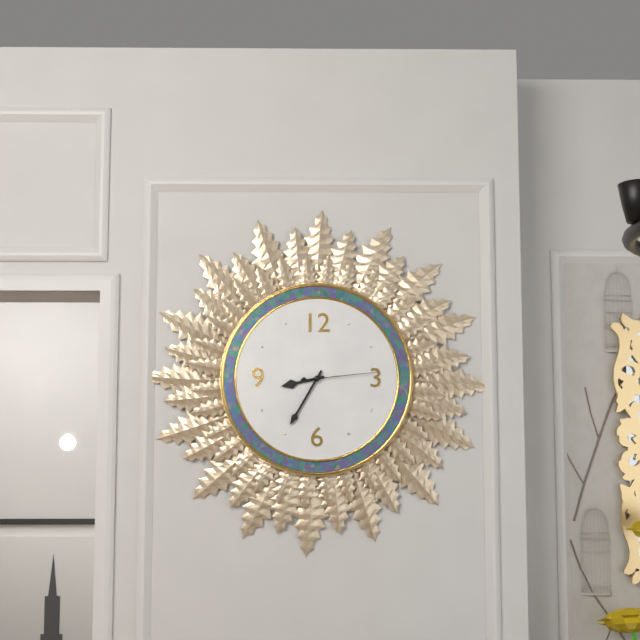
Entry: h=8 m=35 s=14
